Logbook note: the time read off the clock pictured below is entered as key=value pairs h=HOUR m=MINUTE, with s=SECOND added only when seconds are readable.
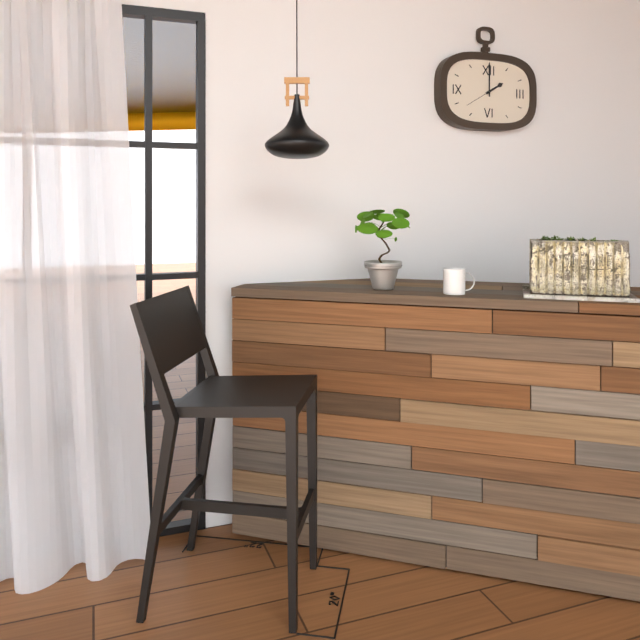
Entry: h=2 m=0
